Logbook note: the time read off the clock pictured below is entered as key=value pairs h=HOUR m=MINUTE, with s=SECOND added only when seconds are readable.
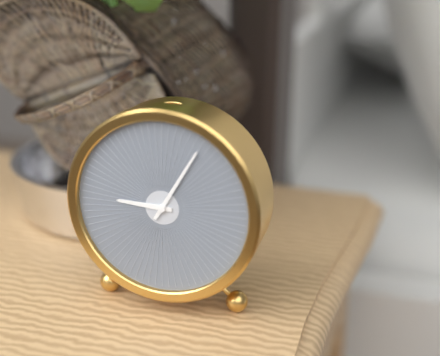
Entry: h=9 m=5
